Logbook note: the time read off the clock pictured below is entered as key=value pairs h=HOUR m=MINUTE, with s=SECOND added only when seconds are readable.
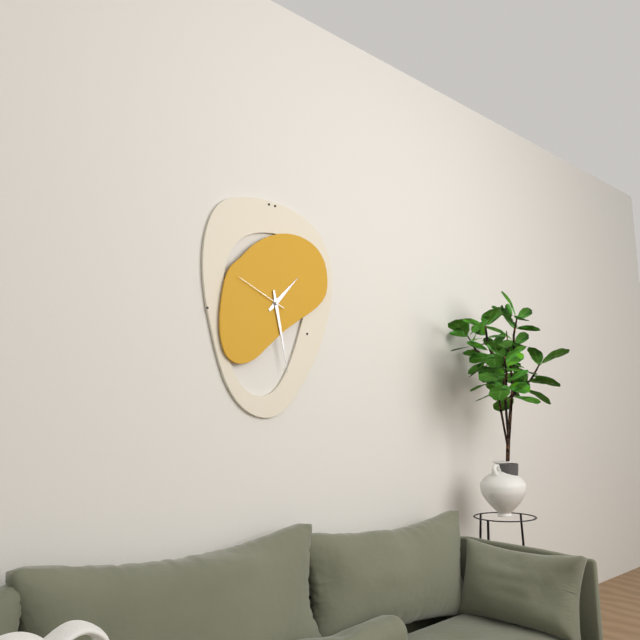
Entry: h=1 m=28 s=49
